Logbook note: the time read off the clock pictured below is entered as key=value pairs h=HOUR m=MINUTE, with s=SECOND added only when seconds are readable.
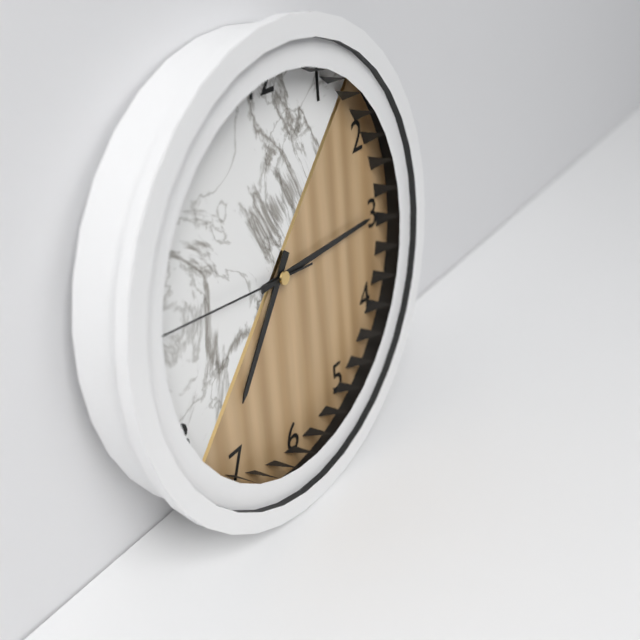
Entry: h=7 m=15 s=46
